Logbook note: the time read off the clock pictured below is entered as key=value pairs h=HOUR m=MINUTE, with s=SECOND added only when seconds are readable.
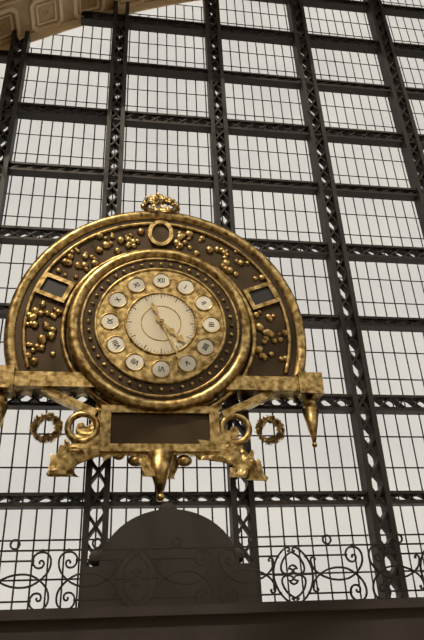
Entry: h=4 m=26
